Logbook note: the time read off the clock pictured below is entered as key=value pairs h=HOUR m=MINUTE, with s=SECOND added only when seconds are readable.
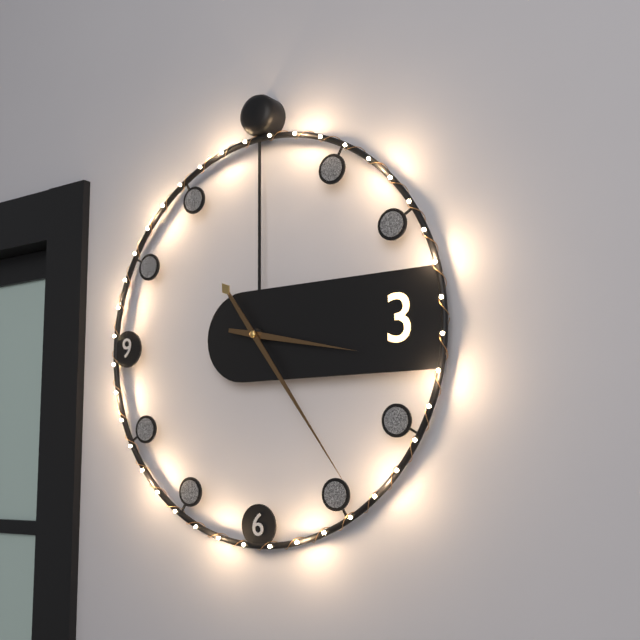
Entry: h=3 m=24
